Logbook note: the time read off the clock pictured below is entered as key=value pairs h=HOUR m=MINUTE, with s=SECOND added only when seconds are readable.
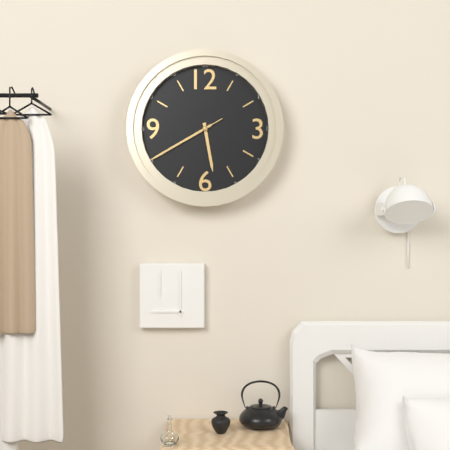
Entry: h=5 m=40 s=40
